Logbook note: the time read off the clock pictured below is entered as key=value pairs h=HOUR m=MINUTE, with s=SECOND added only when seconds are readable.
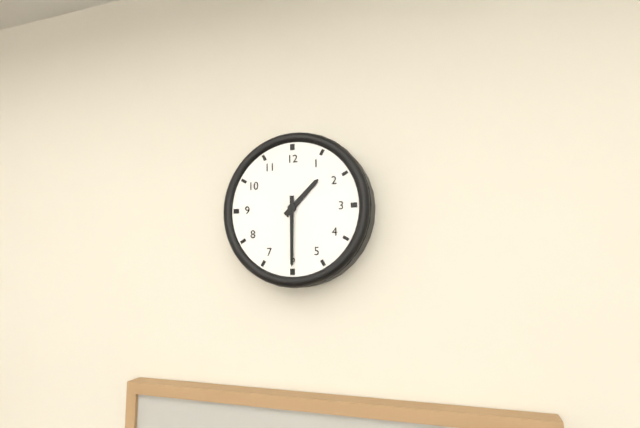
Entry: h=1 m=30
